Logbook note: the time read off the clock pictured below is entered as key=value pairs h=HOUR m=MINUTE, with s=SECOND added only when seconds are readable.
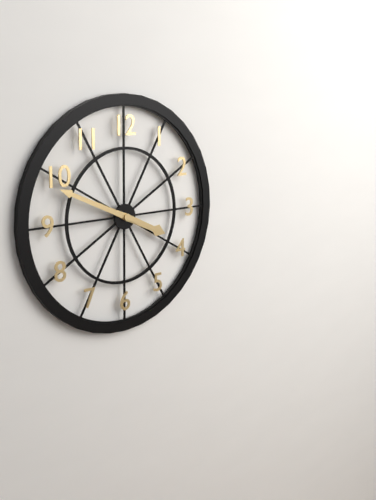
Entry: h=3 m=49
